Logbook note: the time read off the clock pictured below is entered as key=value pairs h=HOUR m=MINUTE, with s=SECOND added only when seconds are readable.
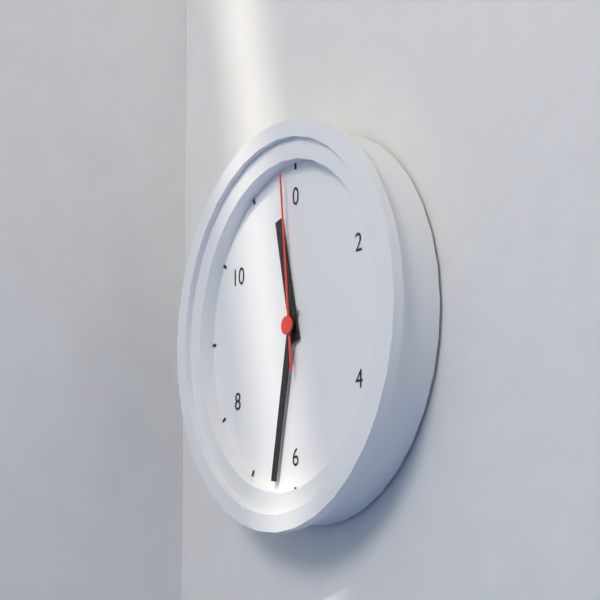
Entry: h=11 m=32 s=59
